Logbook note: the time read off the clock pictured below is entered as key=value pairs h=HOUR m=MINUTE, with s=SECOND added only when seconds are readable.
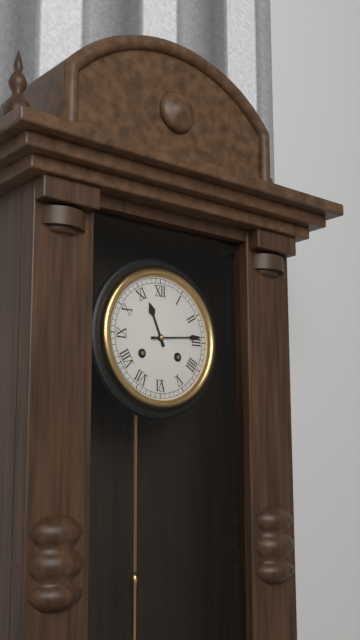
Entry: h=11 m=14
